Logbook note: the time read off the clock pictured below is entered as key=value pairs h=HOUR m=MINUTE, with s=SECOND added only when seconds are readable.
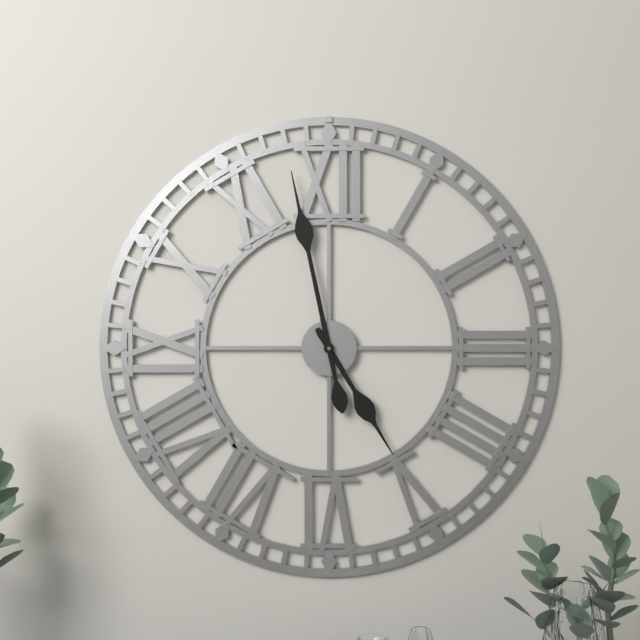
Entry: h=4 m=58
